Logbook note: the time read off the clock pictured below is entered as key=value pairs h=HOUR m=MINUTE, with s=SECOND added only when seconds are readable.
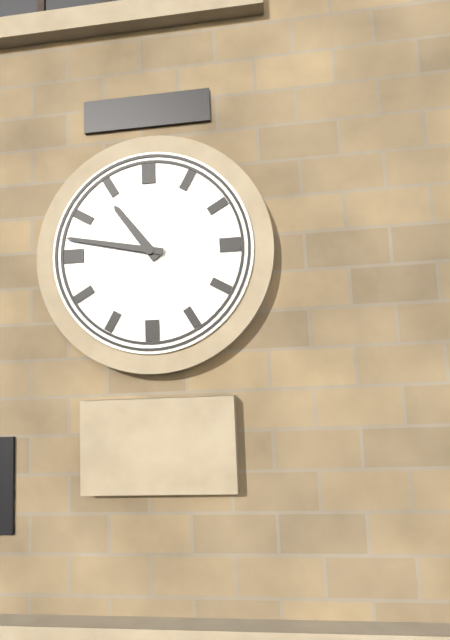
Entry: h=10 m=47
